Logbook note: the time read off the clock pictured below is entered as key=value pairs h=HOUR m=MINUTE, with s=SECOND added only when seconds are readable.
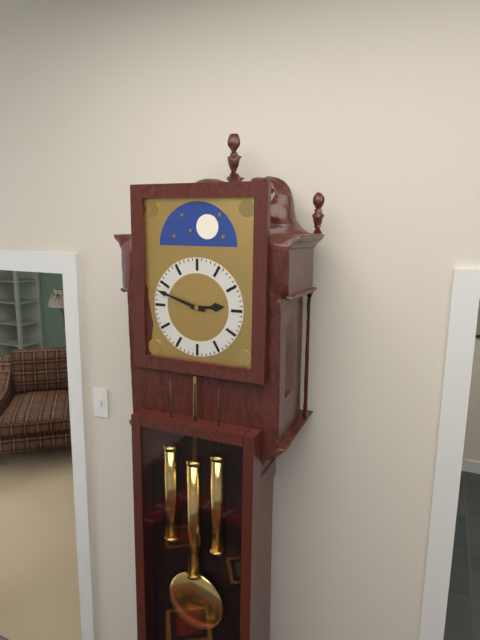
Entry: h=2 m=48
